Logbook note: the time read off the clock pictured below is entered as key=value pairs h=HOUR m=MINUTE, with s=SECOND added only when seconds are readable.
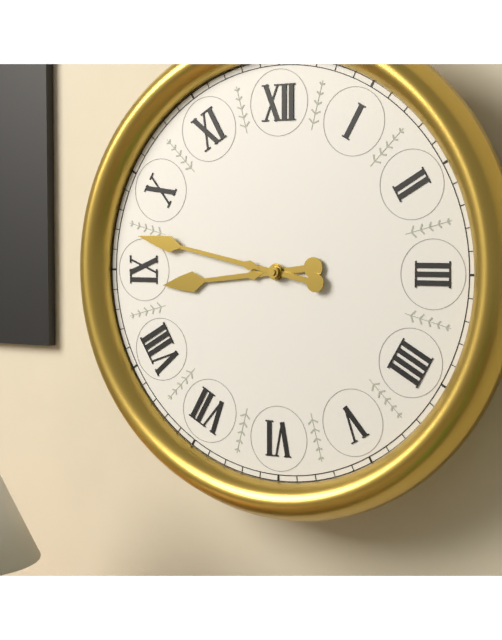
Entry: h=8 m=47
